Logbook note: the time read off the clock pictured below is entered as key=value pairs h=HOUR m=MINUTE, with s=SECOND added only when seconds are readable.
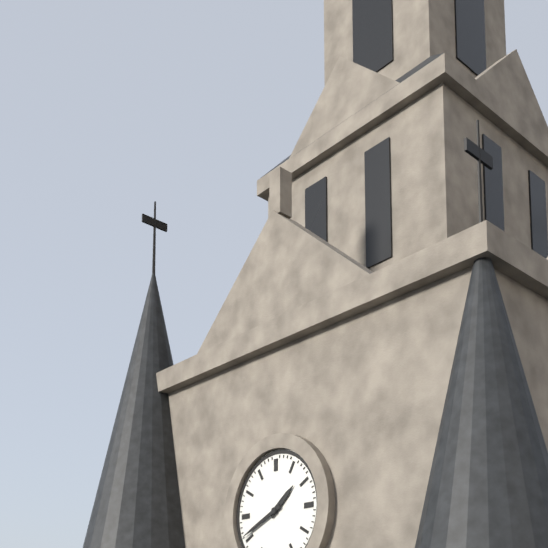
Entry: h=1 m=41
